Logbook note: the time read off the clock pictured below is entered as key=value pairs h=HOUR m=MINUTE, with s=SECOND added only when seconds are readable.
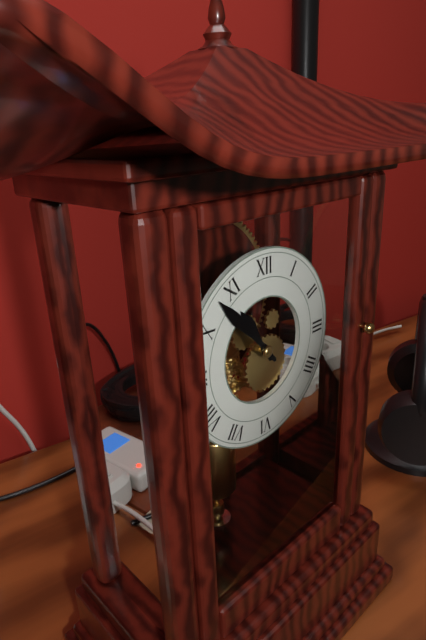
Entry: h=10 m=53
